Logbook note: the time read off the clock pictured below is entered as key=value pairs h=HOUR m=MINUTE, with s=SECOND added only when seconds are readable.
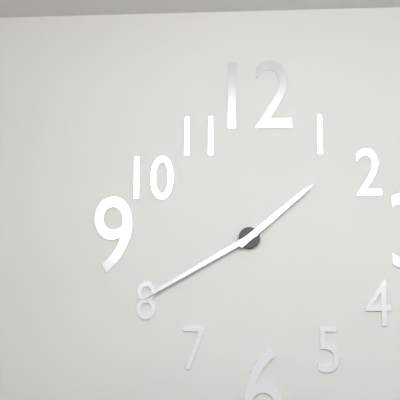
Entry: h=1 m=40
